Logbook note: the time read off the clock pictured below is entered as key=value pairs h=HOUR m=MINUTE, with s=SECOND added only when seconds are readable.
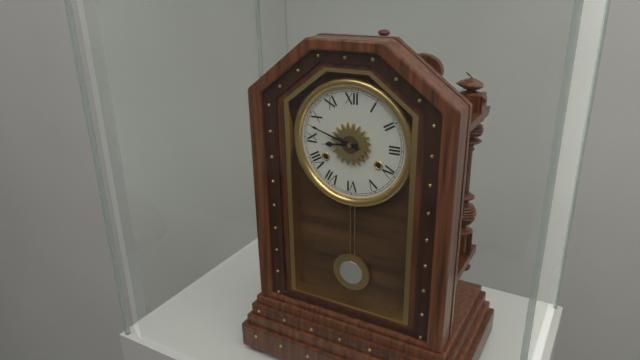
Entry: h=8 m=48
